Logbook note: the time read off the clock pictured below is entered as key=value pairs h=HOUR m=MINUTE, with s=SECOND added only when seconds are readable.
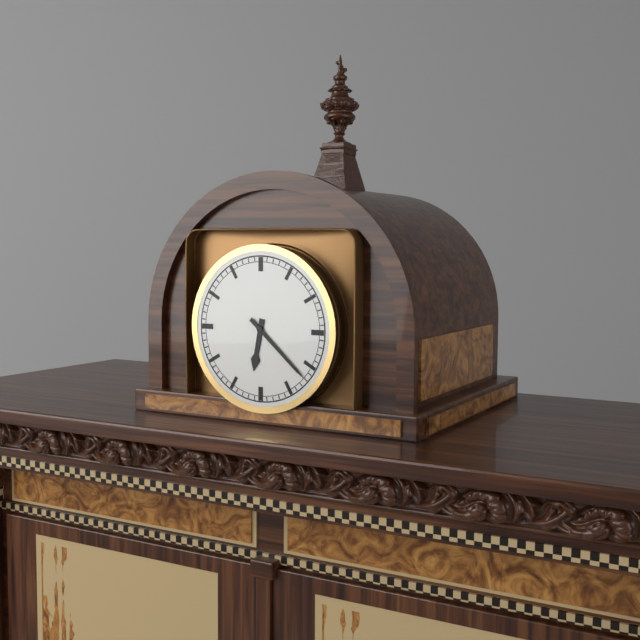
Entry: h=6 m=22
